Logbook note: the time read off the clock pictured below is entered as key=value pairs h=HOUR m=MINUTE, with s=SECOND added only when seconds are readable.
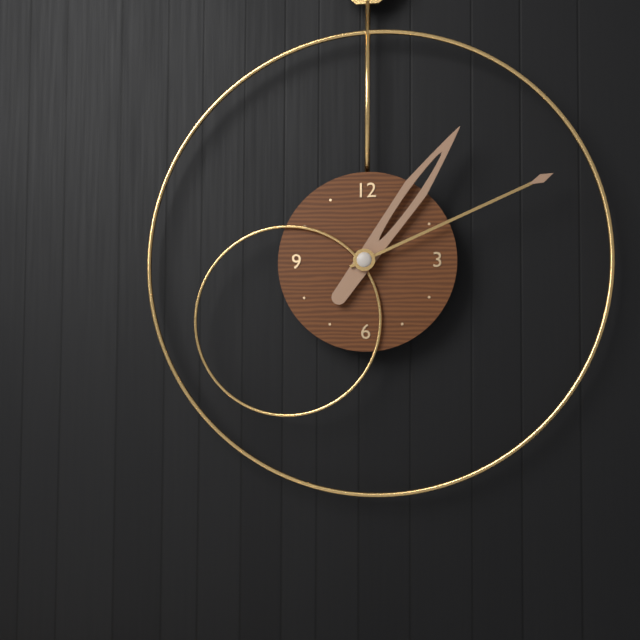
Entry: h=1 m=11
